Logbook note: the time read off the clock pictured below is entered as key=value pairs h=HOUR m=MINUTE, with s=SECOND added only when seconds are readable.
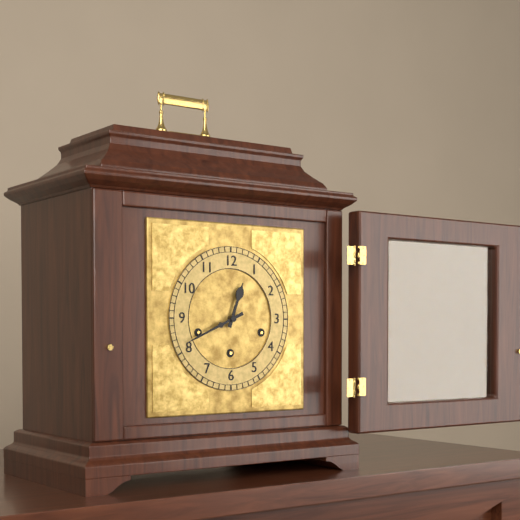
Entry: h=12 m=41
